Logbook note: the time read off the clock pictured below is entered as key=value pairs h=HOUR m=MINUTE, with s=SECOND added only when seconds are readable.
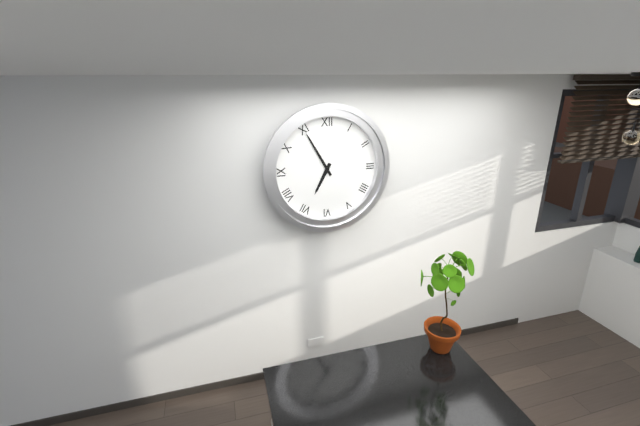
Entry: h=6 m=55
